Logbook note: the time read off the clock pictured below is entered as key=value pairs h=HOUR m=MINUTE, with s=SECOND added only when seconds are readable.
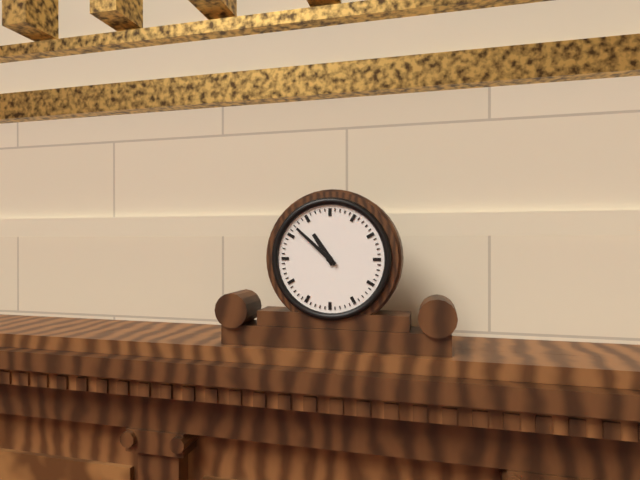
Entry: h=10 m=52
